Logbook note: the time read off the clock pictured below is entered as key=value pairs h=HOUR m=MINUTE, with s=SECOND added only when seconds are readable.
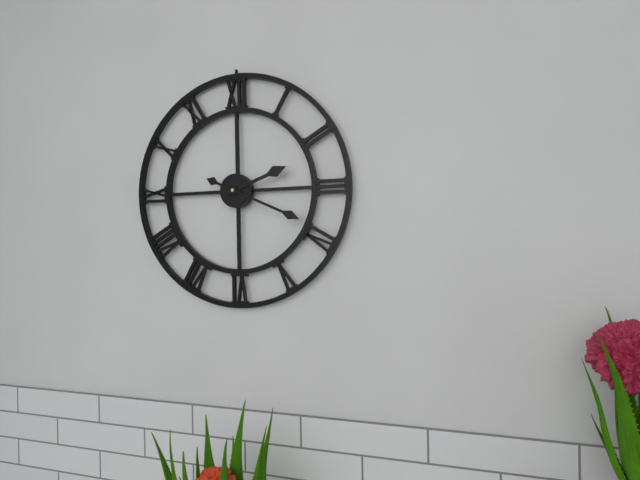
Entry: h=2 m=19
